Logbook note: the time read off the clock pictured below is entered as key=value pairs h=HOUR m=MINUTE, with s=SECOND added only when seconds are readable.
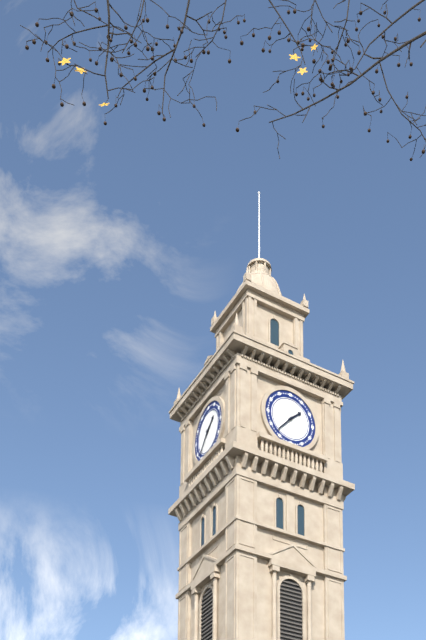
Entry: h=1 m=37
